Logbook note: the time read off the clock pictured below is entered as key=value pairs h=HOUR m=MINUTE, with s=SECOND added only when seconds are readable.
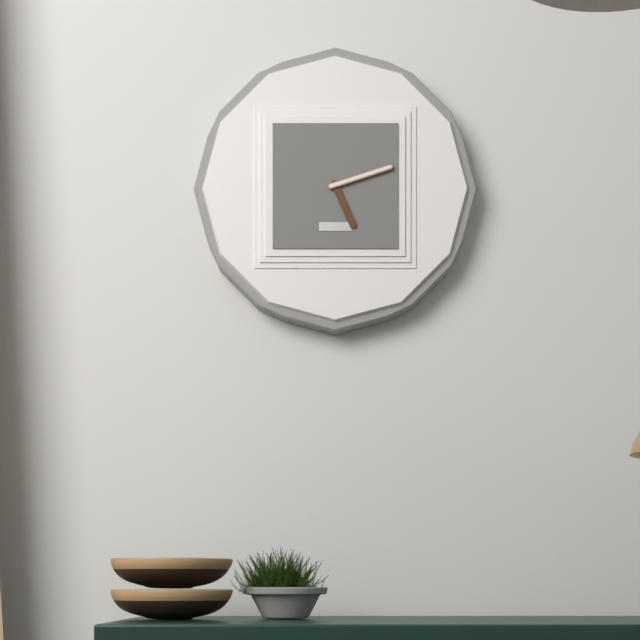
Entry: h=5 m=12
